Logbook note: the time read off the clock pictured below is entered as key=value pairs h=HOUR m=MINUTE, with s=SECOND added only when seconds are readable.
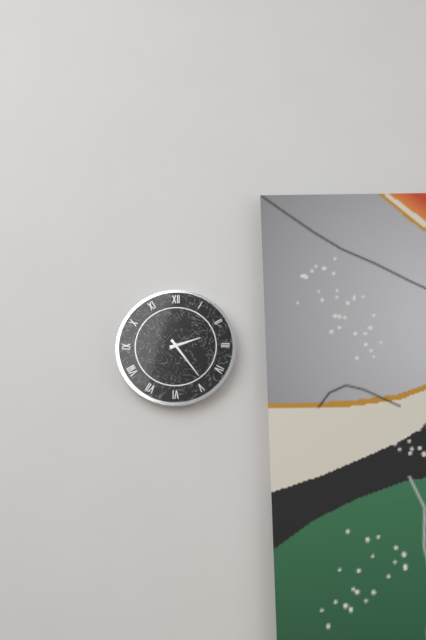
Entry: h=2 m=24
